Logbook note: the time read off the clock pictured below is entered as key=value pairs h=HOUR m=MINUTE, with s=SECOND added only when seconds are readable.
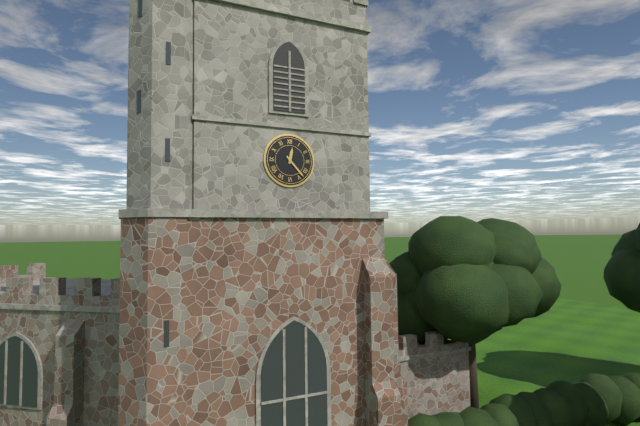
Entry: h=12 m=23
